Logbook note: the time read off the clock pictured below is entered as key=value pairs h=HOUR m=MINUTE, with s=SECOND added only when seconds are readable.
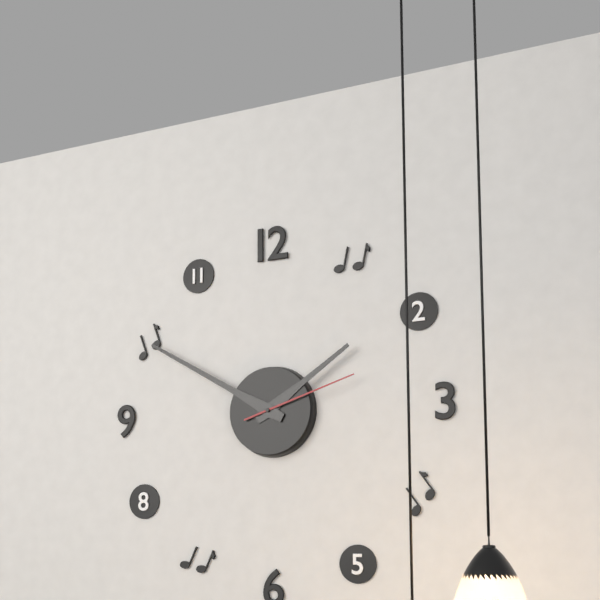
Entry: h=1 m=50 s=12
